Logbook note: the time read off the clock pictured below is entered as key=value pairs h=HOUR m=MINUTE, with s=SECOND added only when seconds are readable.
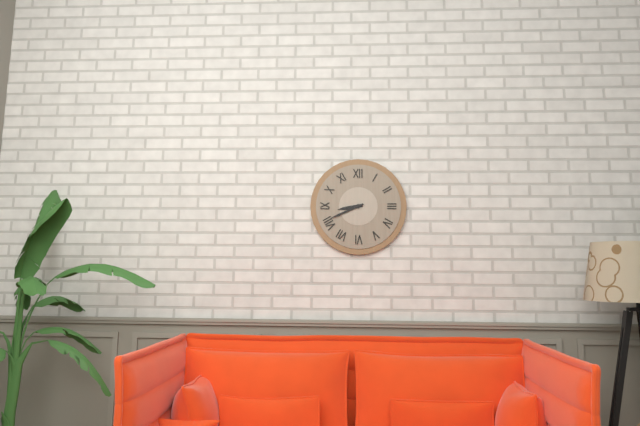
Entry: h=8 m=41
